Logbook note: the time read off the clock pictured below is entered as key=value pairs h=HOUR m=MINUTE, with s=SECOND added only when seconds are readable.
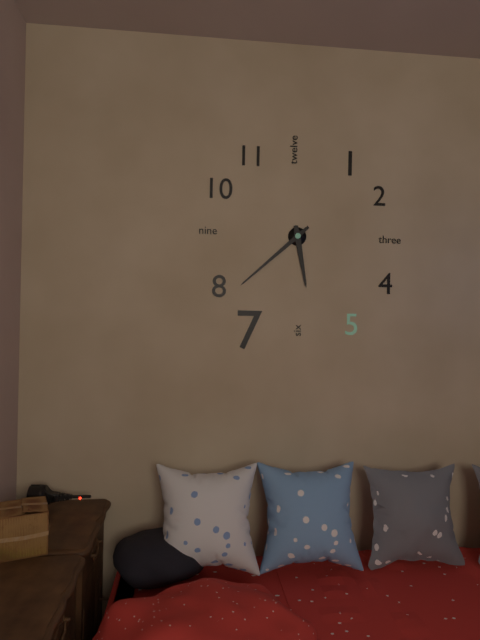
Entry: h=5 m=38
